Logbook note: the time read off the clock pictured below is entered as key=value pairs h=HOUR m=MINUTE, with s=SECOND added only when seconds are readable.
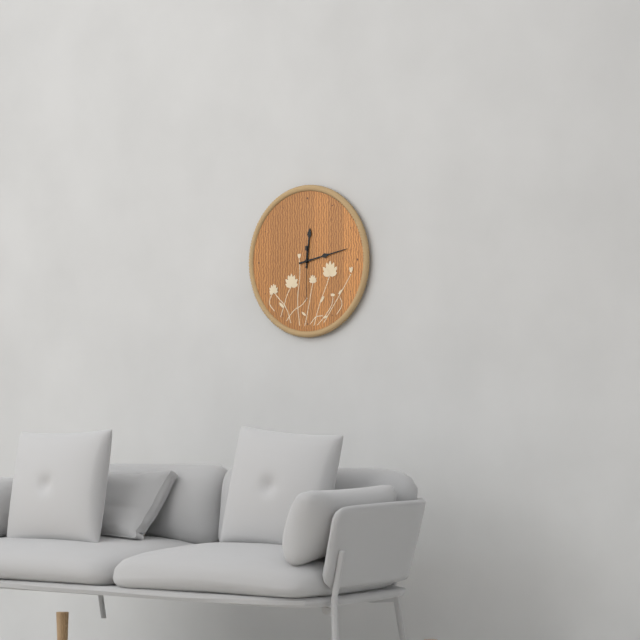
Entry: h=12 m=13 s=30
